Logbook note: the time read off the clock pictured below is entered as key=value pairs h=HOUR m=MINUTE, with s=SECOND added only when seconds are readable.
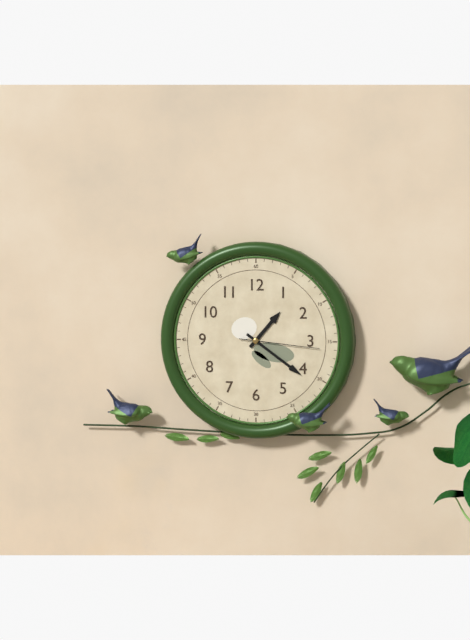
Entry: h=1 m=21 s=16
